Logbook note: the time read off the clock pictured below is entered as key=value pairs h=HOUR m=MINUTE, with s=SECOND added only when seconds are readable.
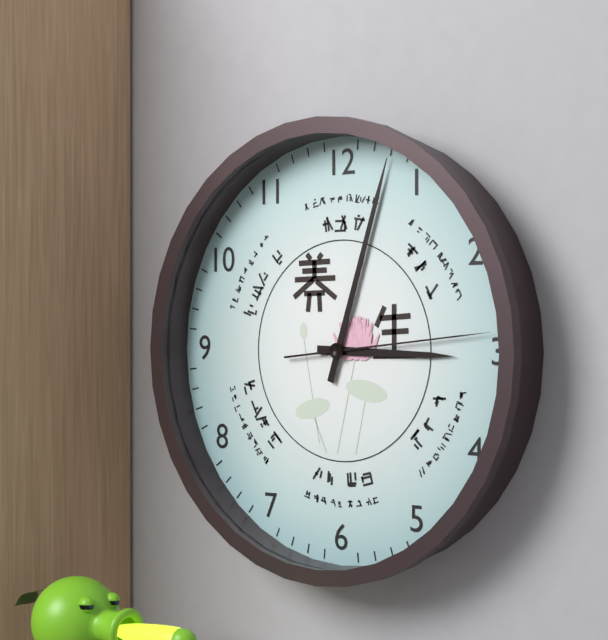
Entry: h=3 m=3 s=14
